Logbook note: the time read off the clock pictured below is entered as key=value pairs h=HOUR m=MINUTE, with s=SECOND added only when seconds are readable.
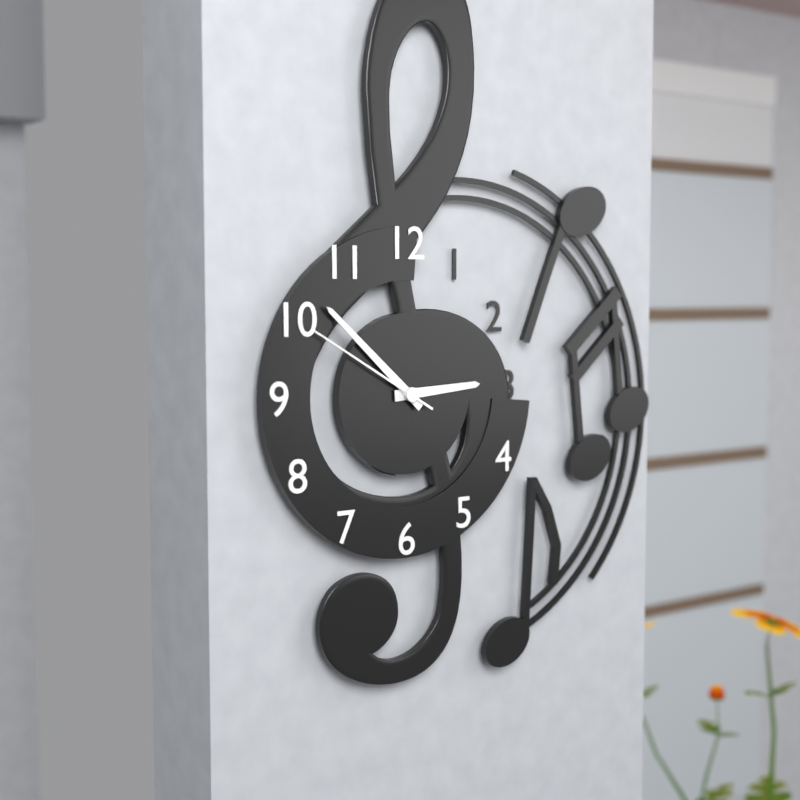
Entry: h=2 m=52 s=50
